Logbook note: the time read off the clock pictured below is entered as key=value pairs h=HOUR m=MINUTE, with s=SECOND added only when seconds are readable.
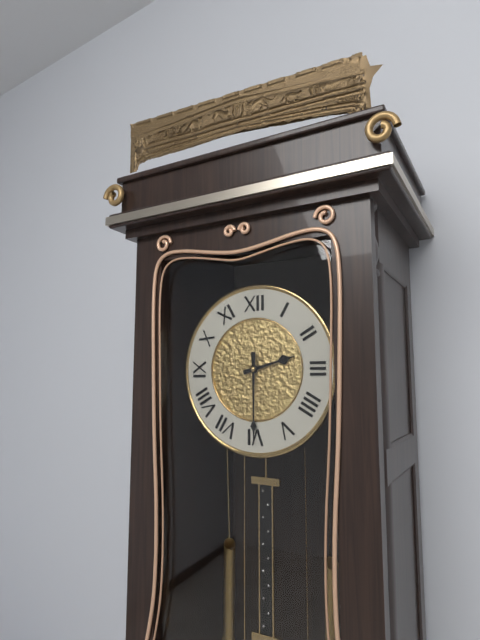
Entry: h=2 m=30
